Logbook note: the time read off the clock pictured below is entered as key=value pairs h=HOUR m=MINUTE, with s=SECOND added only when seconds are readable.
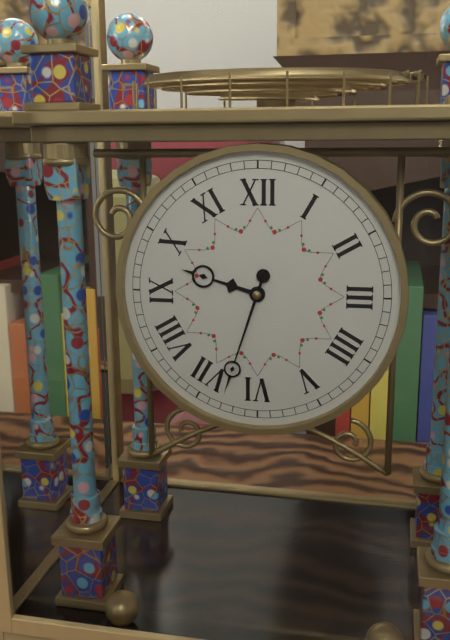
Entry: h=9 m=33
